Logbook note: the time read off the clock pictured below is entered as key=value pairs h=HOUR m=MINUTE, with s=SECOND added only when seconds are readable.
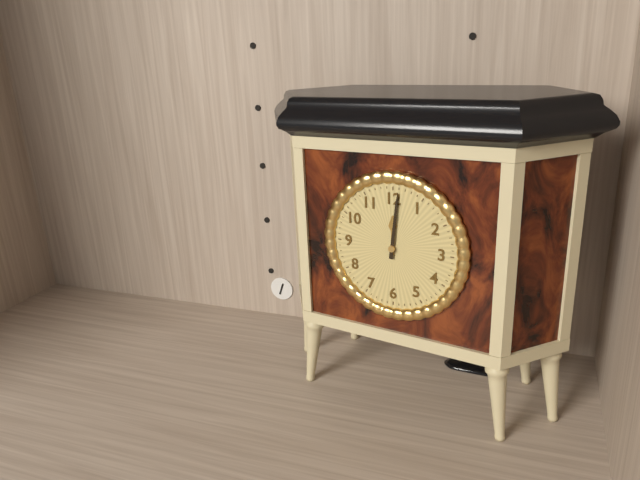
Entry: h=12 m=1
